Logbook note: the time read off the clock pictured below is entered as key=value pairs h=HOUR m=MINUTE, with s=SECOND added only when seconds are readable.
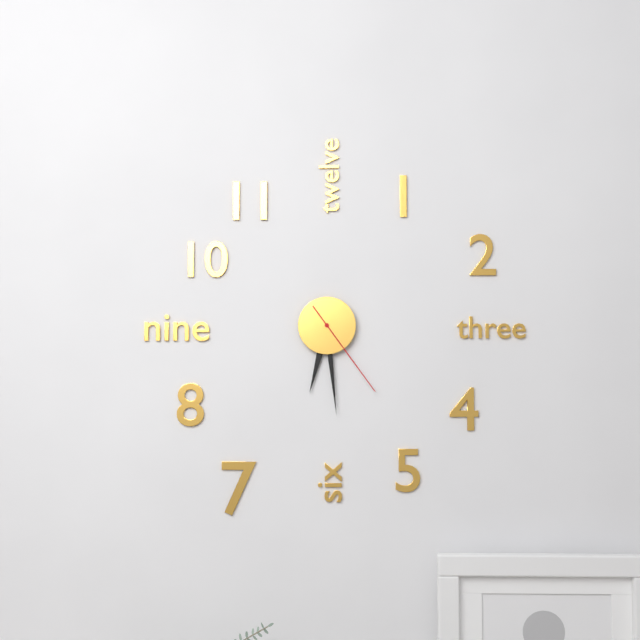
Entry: h=6 m=29 s=24
